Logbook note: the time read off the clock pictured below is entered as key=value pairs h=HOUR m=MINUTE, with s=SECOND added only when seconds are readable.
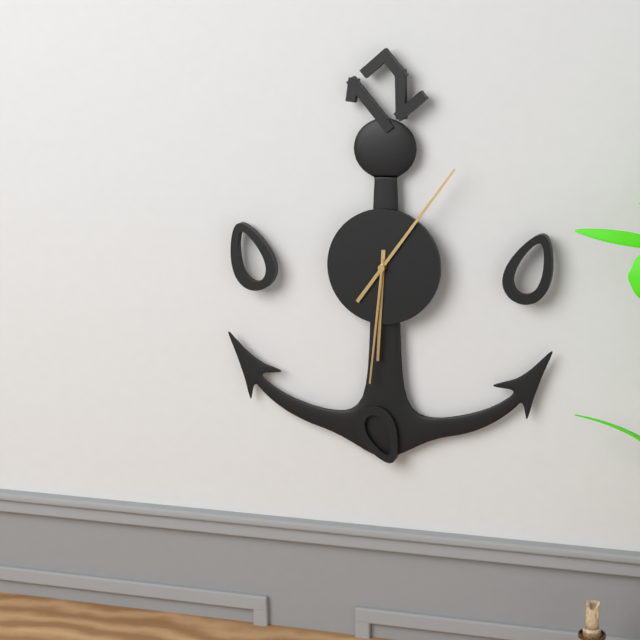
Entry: h=6 m=6 s=31
